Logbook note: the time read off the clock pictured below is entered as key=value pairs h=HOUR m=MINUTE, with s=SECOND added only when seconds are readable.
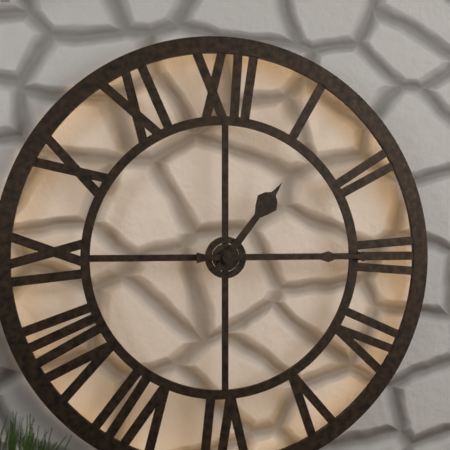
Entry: h=1 m=15
